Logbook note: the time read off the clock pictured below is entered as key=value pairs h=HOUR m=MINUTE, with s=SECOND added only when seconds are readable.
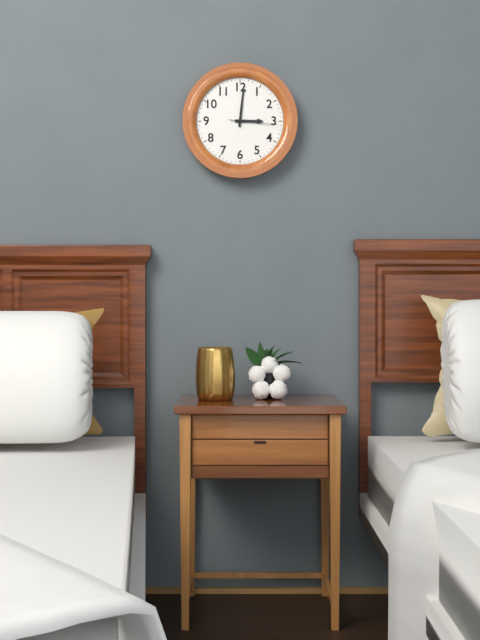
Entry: h=3 m=1
